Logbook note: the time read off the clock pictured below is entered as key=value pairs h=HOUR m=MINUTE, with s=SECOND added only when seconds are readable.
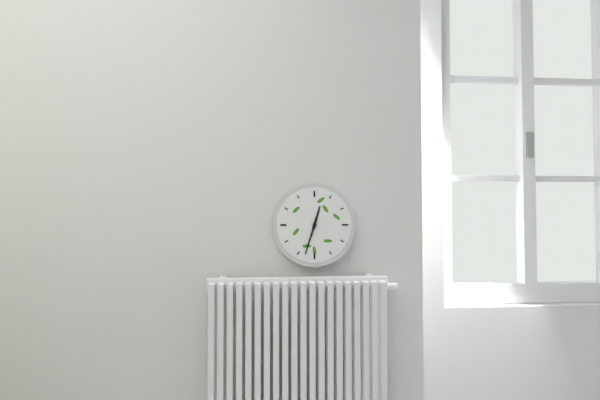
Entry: h=12 m=33
